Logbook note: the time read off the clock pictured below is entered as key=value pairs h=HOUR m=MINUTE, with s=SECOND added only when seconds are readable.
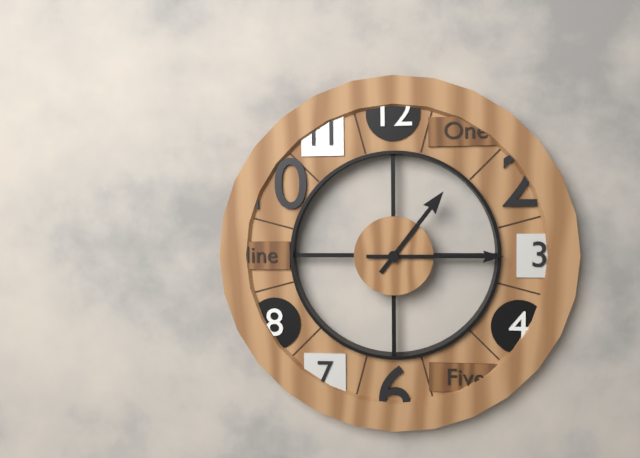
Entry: h=1 m=15
